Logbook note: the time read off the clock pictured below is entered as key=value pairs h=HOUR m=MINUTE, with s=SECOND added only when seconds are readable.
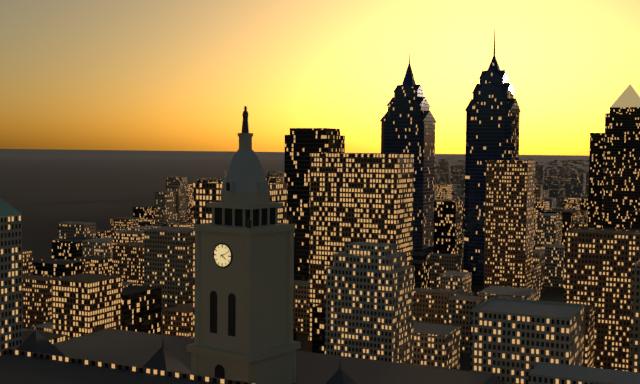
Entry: h=4 m=11
